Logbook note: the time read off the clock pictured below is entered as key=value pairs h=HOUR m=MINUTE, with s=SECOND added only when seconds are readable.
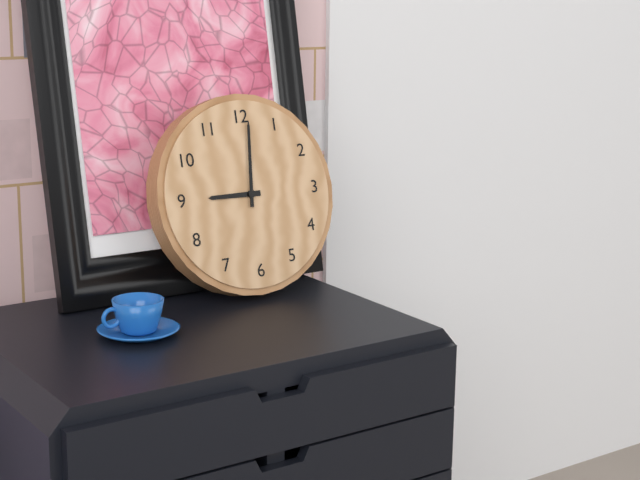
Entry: h=9 m=1
